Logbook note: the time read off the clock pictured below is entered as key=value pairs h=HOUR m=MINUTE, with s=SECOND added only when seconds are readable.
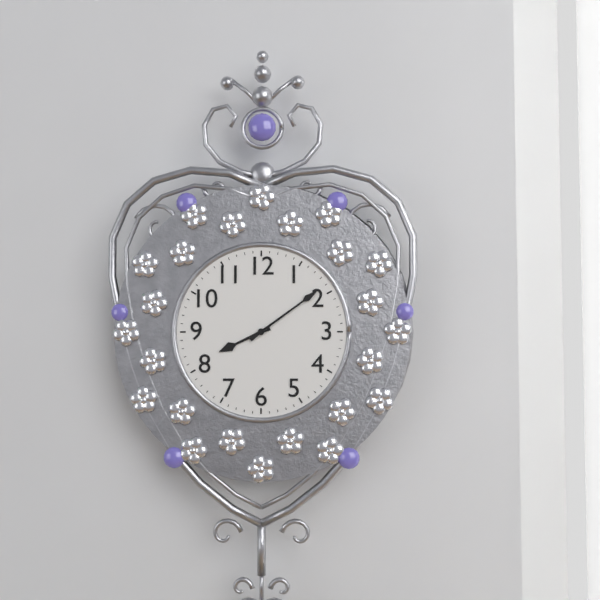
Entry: h=8 m=9
